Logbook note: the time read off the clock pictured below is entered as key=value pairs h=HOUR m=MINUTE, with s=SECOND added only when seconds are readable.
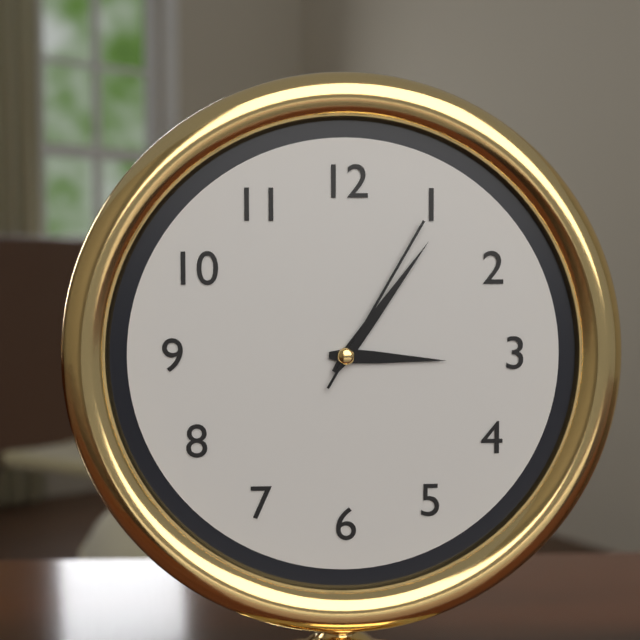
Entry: h=3 m=6 s=5
